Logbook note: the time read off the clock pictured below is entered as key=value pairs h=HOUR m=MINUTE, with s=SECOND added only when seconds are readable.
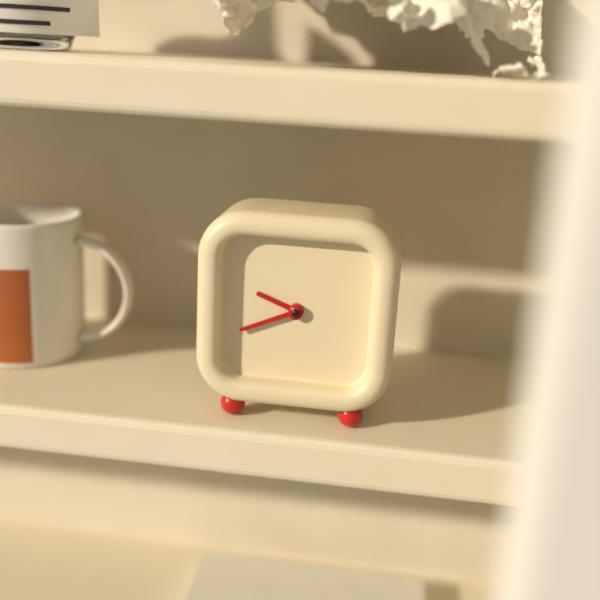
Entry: h=9 m=41
